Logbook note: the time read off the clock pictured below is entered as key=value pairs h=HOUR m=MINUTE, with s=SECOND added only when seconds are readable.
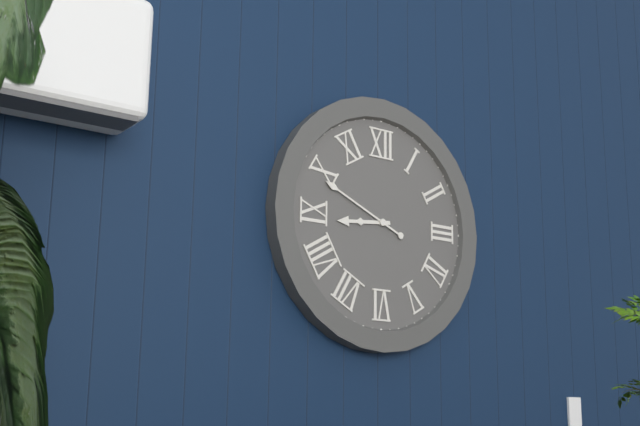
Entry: h=8 m=49
